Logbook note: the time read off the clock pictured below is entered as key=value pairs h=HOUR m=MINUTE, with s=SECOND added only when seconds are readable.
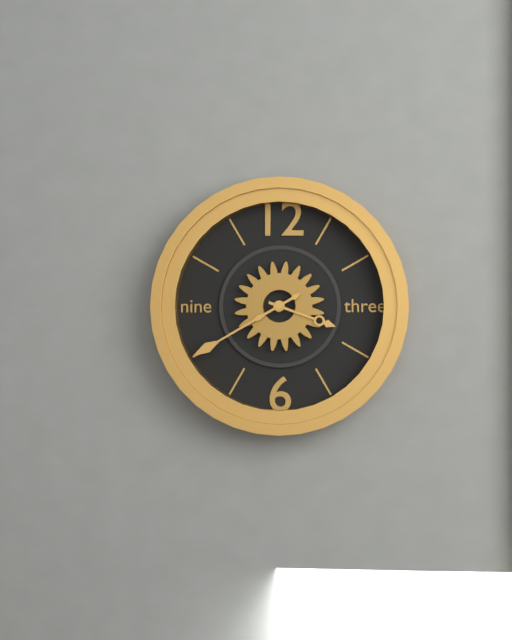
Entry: h=3 m=40
